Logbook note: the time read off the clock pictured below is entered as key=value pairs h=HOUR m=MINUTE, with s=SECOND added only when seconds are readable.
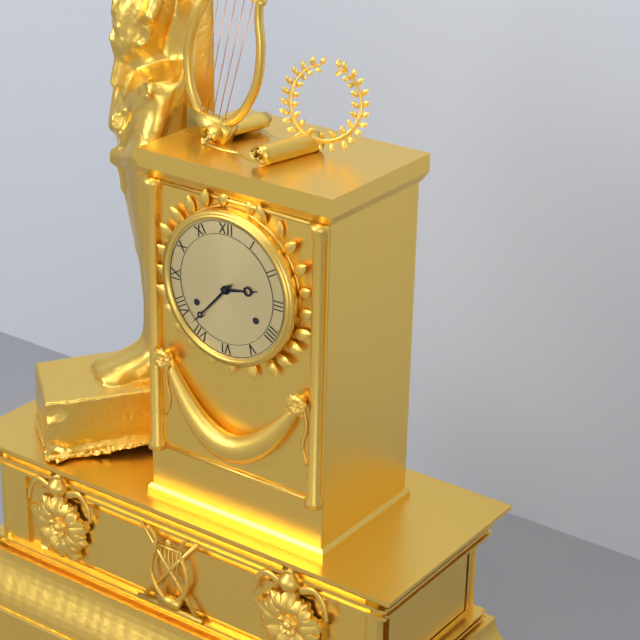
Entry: h=2 m=37
